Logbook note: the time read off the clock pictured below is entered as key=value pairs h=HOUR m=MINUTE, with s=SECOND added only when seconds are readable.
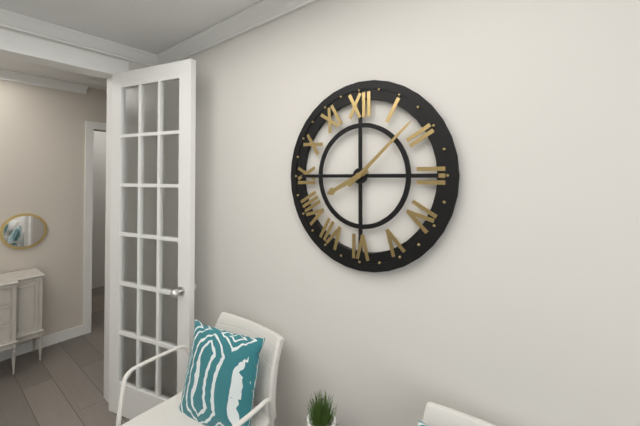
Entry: h=8 m=8
